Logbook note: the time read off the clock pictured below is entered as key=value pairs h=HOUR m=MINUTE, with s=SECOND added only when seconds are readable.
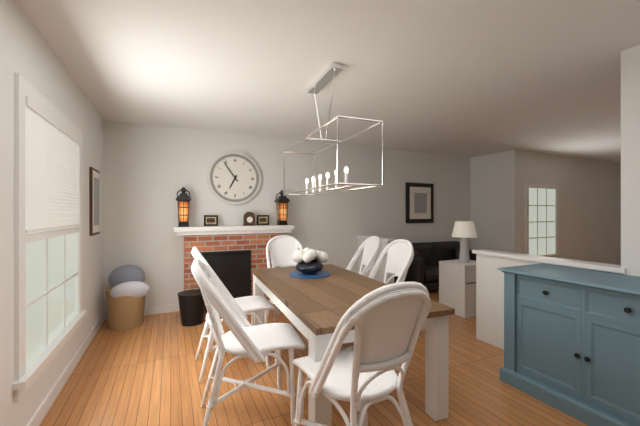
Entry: h=6 m=54
